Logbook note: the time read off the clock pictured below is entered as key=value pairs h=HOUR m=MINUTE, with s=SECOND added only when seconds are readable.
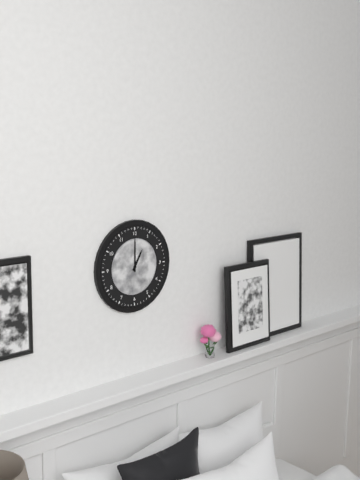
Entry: h=1 m=0
